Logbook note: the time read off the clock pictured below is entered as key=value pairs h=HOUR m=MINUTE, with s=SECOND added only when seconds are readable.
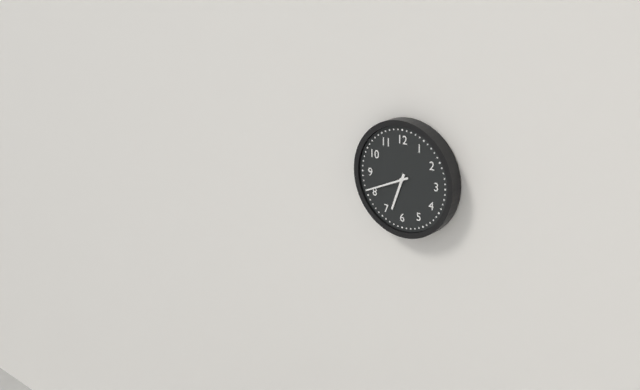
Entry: h=6 m=41
